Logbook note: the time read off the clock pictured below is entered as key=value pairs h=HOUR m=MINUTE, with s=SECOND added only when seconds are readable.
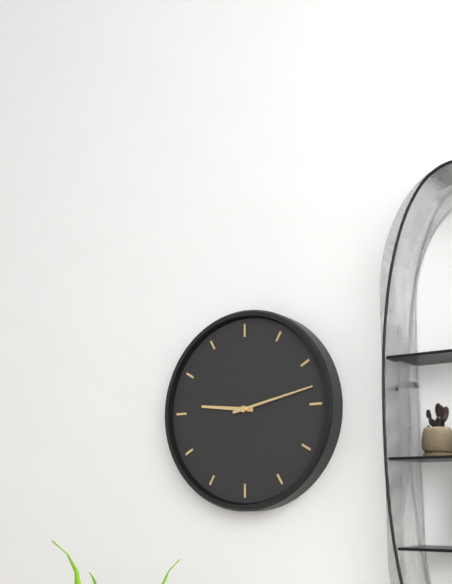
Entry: h=9 m=13
